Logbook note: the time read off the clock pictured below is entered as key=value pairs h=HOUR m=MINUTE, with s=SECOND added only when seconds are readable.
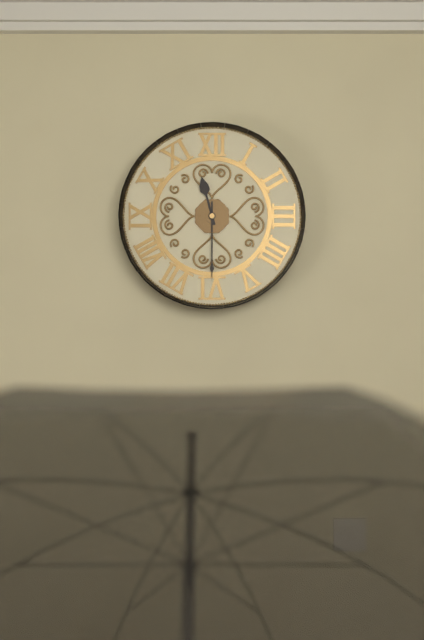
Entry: h=11 m=30
